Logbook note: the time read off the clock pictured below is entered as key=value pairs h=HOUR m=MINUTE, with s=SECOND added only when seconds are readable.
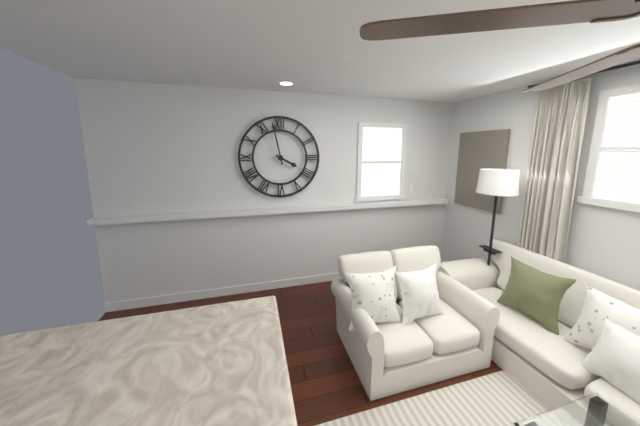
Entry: h=3 m=58
